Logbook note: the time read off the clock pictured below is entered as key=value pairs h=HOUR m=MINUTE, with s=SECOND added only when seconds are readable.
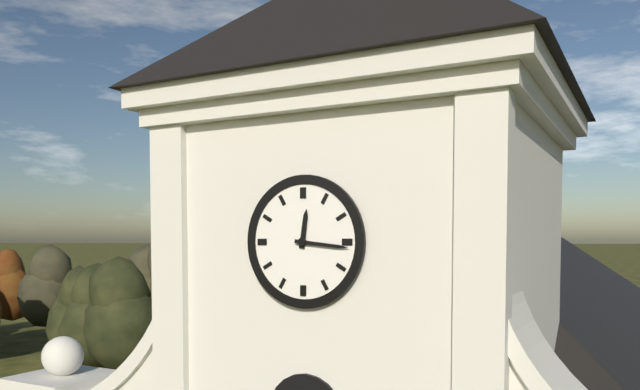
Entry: h=12 m=16
